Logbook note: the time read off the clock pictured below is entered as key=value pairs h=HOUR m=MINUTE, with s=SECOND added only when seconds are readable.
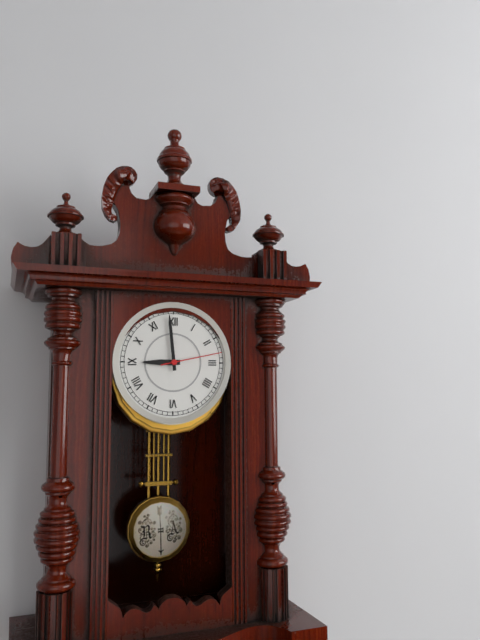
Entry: h=8 m=59 s=13
